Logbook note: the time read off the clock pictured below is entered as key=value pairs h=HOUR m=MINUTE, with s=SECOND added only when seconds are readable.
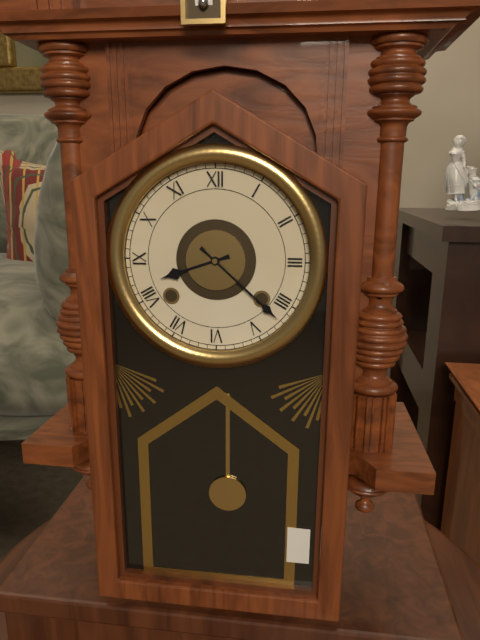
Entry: h=8 m=22
